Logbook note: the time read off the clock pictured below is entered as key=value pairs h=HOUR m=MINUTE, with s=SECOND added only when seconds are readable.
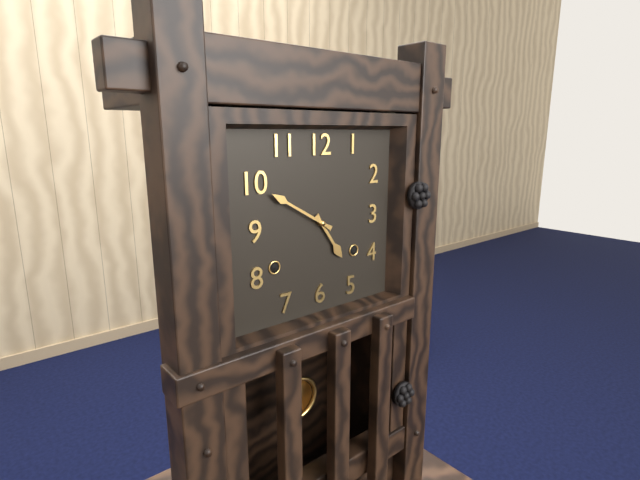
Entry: h=4 m=50
